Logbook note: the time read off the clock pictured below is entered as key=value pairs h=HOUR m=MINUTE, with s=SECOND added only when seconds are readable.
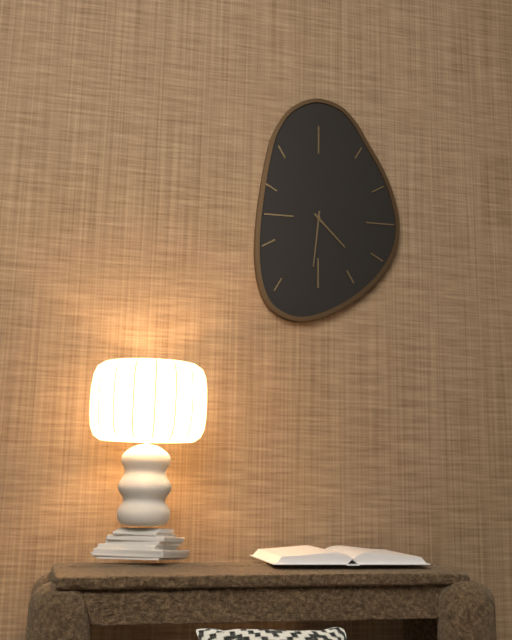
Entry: h=4 m=31
